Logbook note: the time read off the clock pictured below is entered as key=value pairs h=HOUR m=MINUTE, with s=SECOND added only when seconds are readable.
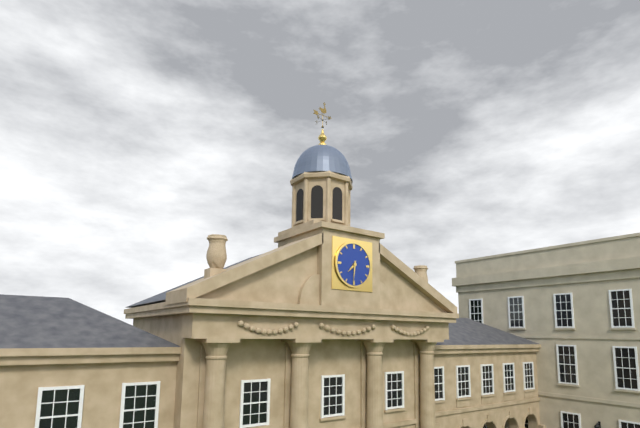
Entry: h=7 m=31
